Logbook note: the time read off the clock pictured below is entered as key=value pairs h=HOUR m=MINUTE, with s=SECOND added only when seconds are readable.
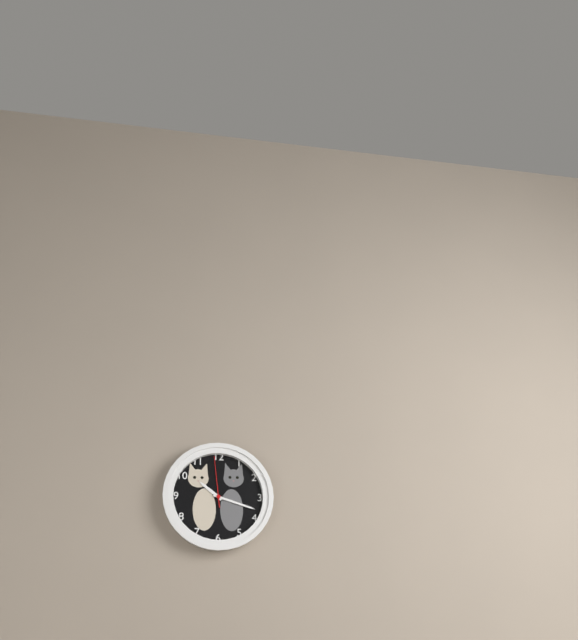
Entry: h=10 m=18 s=59
